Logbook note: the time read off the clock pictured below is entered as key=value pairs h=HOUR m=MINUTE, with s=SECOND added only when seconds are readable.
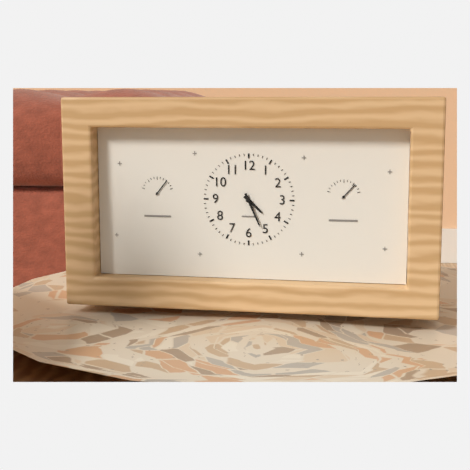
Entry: h=4 m=26
